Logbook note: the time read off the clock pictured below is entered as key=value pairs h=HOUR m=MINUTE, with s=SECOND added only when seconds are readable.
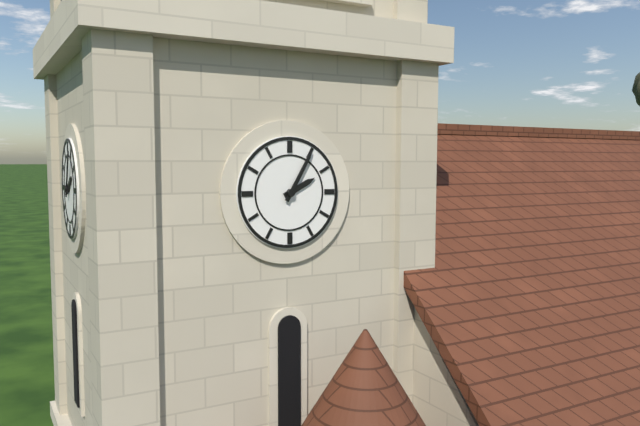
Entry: h=2 m=5
